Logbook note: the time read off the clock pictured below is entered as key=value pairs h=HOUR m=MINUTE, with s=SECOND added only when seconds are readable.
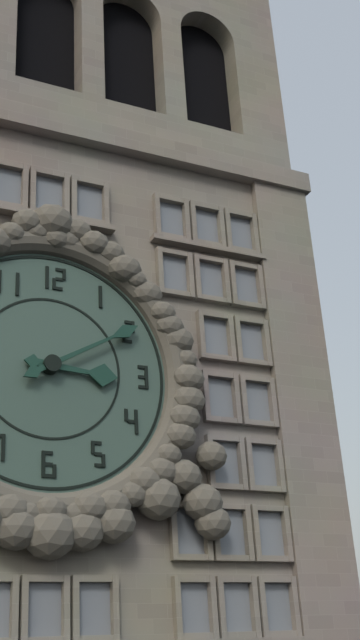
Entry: h=3 m=10
